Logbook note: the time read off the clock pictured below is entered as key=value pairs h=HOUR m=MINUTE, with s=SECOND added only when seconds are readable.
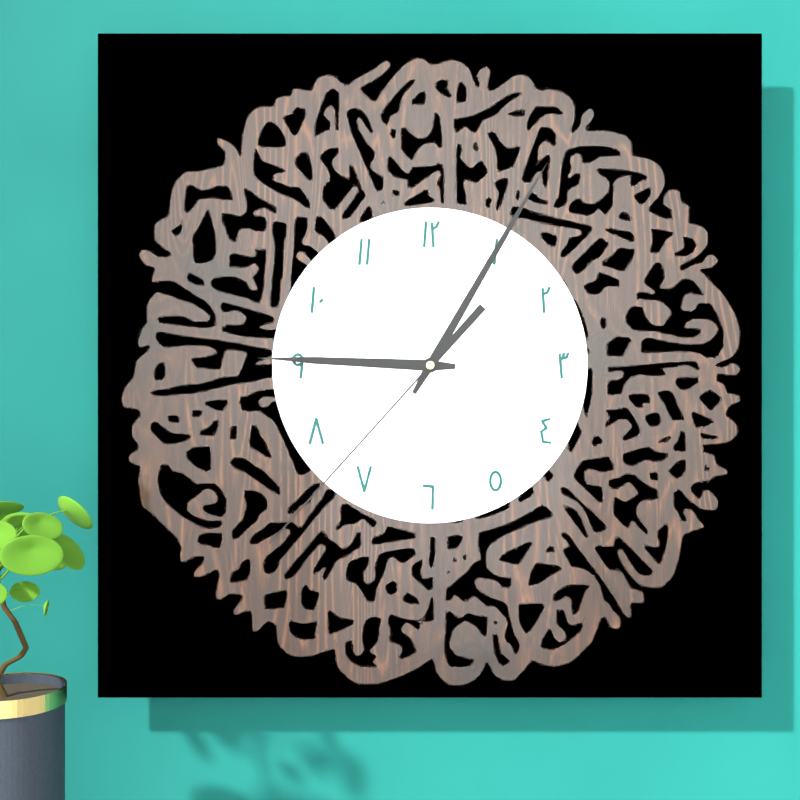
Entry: h=9 m=5 s=37
